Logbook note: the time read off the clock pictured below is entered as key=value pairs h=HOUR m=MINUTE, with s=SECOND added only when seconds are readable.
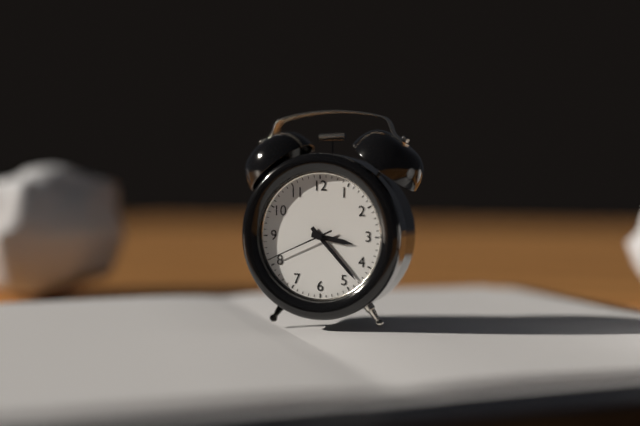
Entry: h=3 m=23 s=41
